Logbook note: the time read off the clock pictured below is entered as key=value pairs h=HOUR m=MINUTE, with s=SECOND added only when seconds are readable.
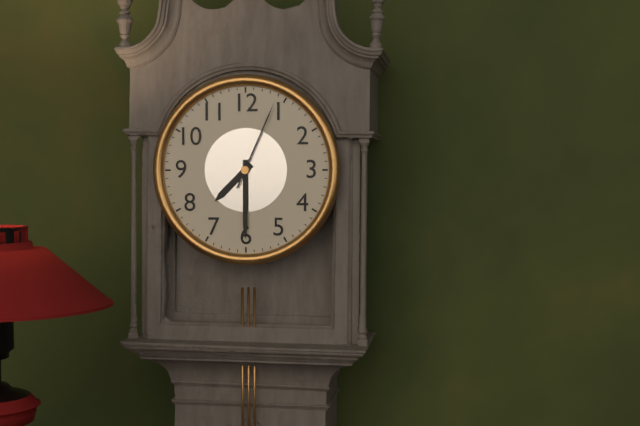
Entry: h=7 m=30 s=4
